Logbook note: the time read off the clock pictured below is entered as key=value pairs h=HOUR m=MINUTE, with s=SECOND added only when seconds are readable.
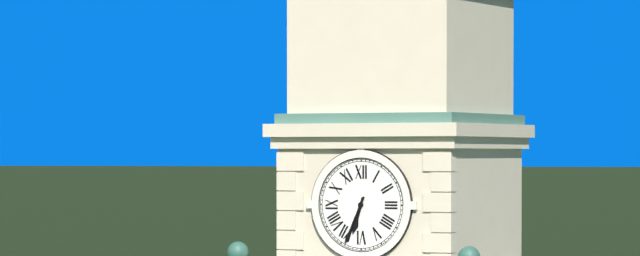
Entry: h=6 m=34
